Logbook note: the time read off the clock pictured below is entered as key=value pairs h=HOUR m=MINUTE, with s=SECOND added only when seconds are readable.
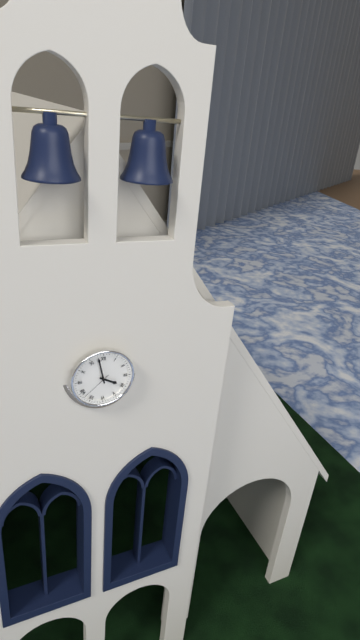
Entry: h=3 m=58
